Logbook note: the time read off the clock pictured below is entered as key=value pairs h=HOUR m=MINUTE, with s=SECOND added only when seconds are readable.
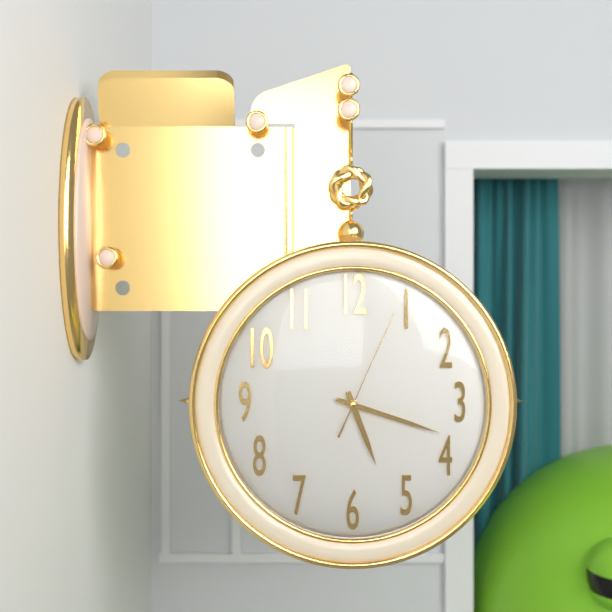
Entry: h=5 m=18 s=4
